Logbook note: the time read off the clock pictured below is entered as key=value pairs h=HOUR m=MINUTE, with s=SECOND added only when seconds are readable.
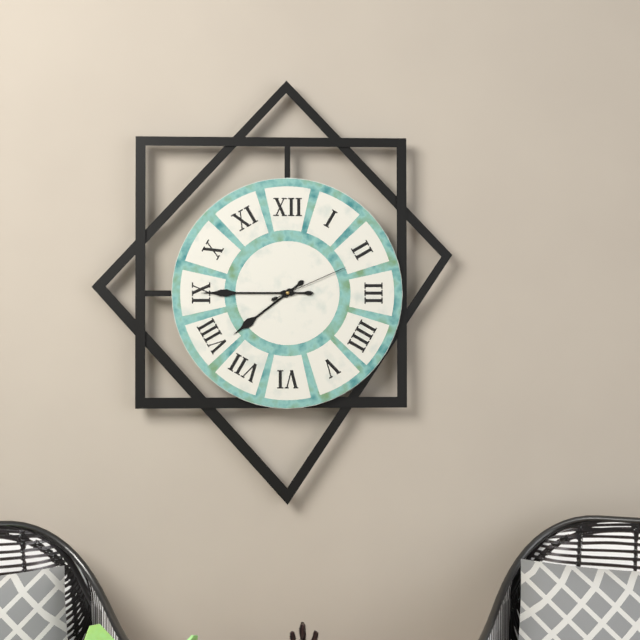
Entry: h=7 m=45 s=11
